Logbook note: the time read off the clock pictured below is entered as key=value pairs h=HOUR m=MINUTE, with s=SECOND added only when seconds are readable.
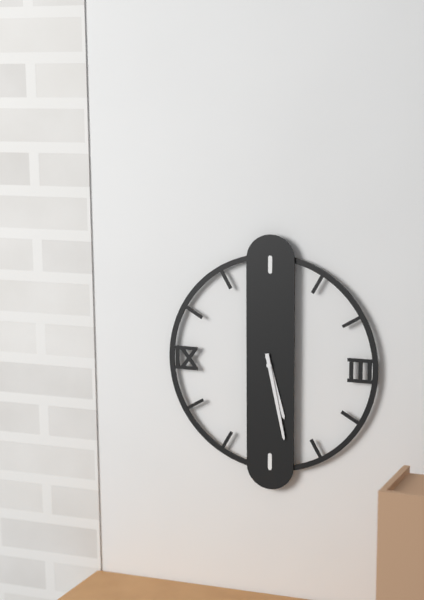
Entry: h=5 m=28
